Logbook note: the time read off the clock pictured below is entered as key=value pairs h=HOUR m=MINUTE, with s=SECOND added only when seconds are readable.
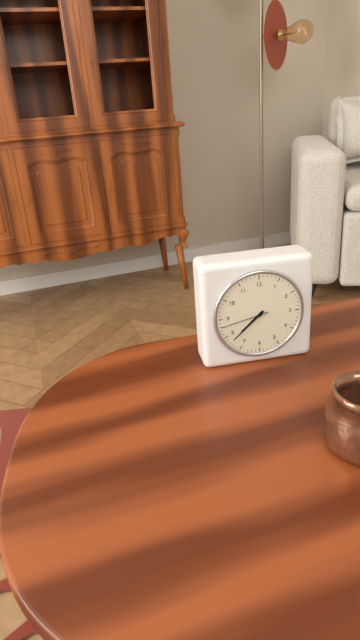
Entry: h=7 m=38
